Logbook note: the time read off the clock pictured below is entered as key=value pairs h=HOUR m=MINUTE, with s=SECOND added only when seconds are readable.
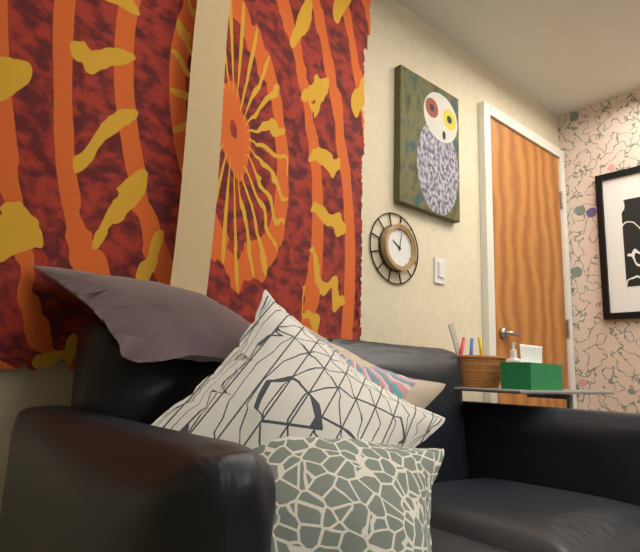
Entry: h=10 m=2
